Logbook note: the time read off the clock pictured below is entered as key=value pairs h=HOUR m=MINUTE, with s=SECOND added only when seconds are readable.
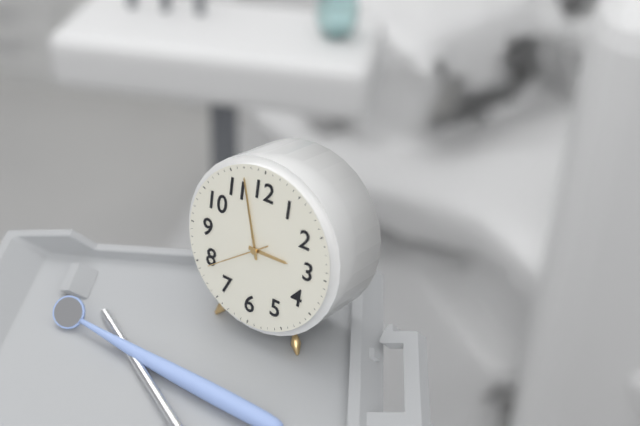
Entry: h=2 m=57 s=39
